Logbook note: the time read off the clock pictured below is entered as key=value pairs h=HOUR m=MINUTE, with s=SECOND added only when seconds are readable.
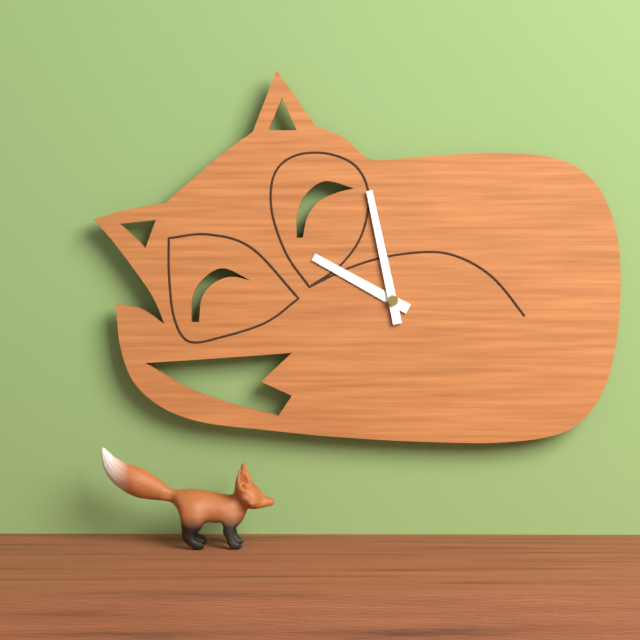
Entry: h=9 m=58
